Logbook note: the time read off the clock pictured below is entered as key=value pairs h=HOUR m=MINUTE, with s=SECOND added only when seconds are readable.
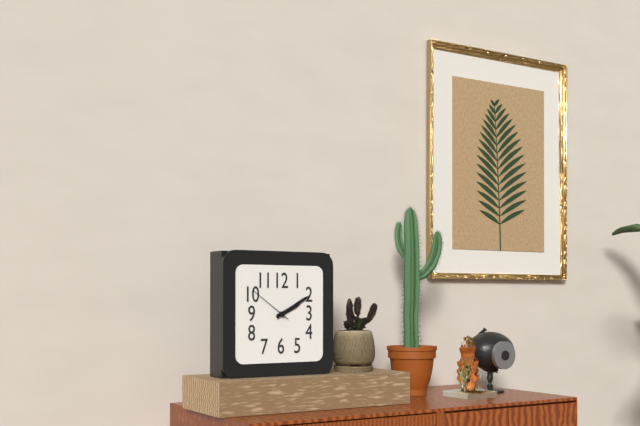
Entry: h=2 m=10
